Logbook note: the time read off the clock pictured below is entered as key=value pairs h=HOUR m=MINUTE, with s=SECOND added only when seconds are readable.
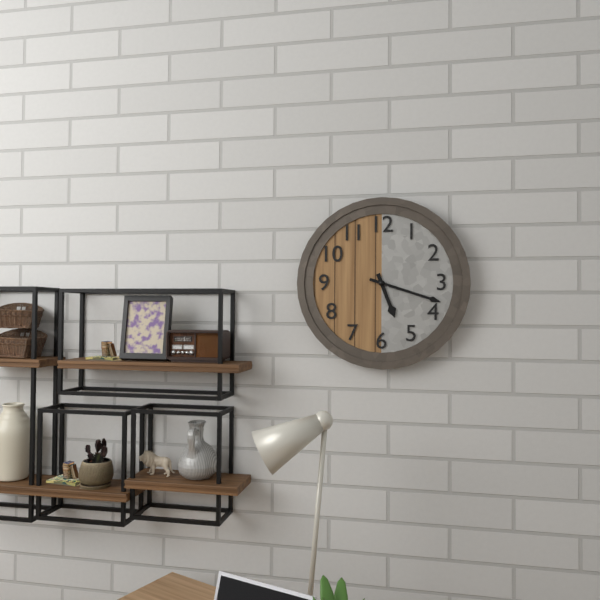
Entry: h=5 m=18
